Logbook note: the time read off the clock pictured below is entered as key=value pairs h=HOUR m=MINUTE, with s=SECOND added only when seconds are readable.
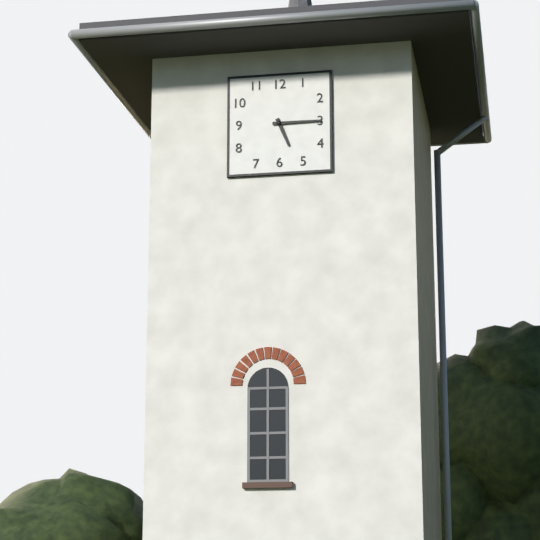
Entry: h=5 m=15
